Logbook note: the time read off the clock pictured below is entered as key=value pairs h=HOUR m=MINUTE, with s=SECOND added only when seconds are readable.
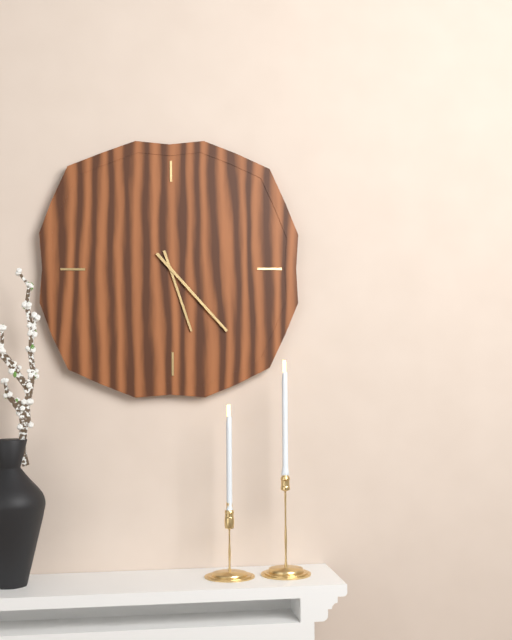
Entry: h=5 m=23
